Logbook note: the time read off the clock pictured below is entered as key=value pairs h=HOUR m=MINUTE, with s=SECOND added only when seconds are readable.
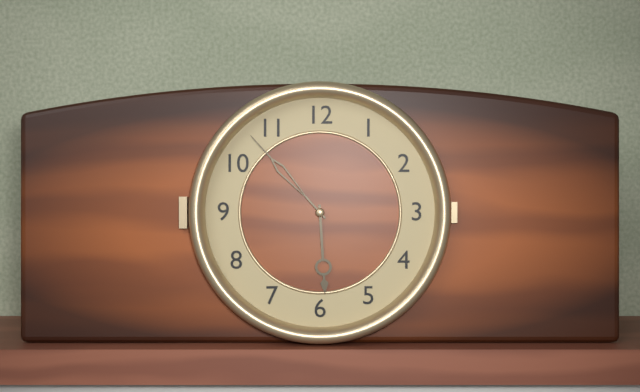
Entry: h=5 m=53
